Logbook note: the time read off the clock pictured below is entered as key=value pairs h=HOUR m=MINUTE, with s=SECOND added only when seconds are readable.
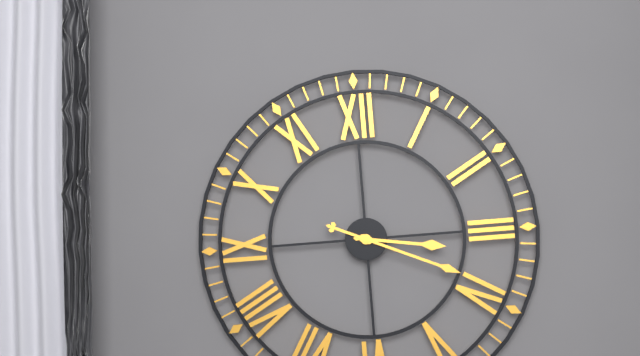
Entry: h=3 m=19
